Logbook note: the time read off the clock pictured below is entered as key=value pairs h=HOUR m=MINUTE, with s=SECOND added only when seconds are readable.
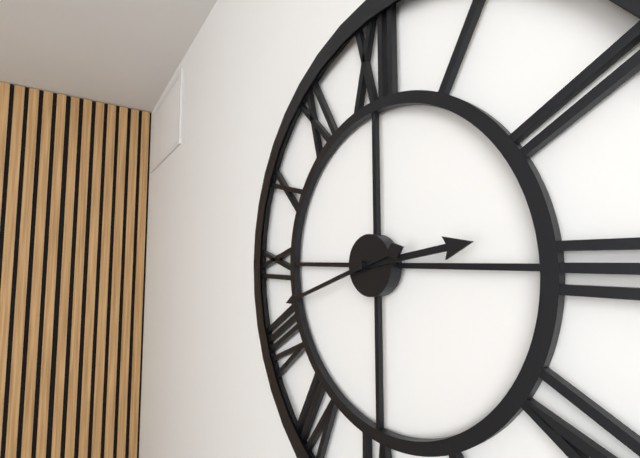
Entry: h=2 m=42
